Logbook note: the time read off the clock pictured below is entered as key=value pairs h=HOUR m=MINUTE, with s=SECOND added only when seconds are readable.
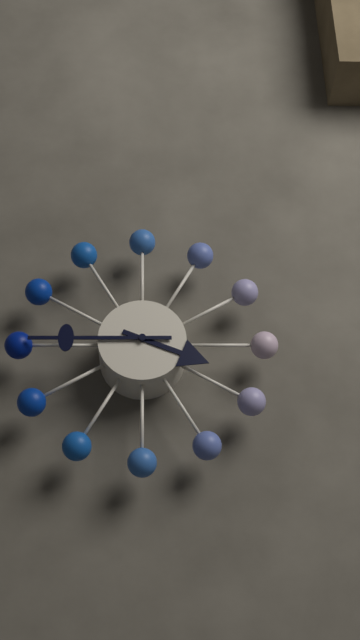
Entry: h=3 m=45
